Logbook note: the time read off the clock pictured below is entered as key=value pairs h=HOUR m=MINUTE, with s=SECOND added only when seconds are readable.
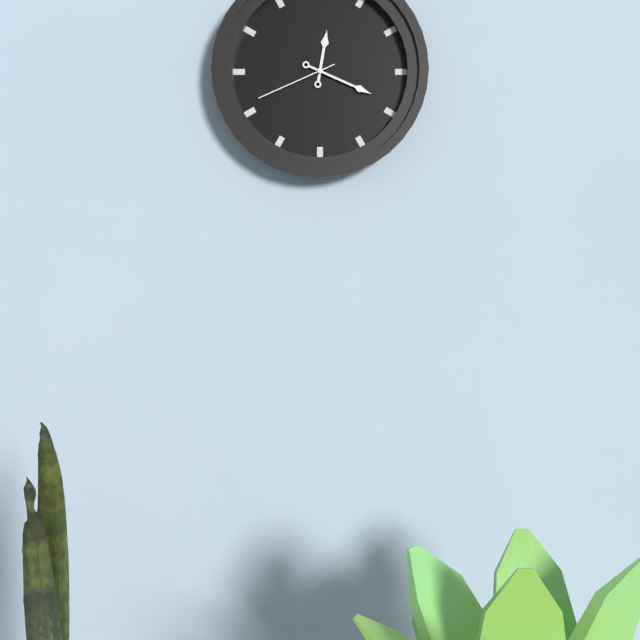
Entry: h=12 m=19 s=41
